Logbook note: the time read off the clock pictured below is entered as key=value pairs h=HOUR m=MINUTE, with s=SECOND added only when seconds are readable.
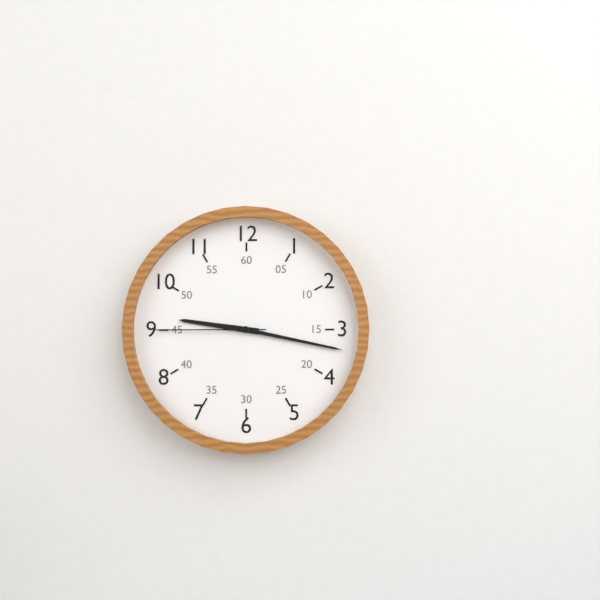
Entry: h=9 m=17 s=45
